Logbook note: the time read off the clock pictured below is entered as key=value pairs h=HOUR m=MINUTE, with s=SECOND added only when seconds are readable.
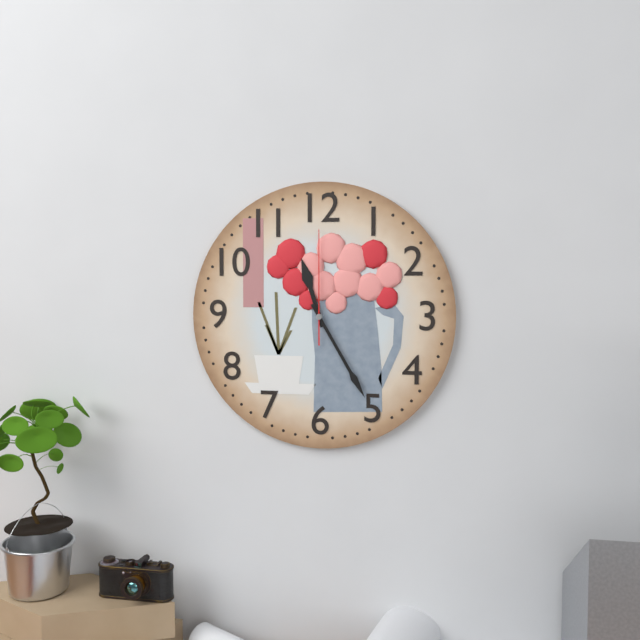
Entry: h=11 m=25 s=0
